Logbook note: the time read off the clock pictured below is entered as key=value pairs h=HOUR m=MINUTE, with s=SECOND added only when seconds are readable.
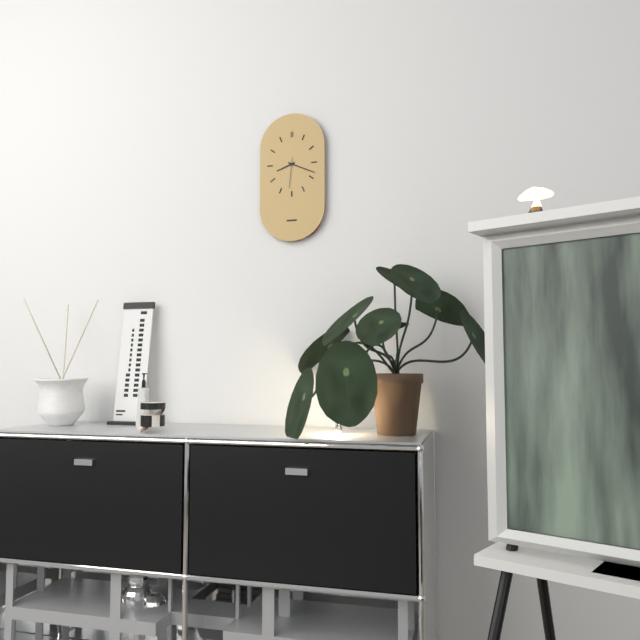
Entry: h=8 m=19
